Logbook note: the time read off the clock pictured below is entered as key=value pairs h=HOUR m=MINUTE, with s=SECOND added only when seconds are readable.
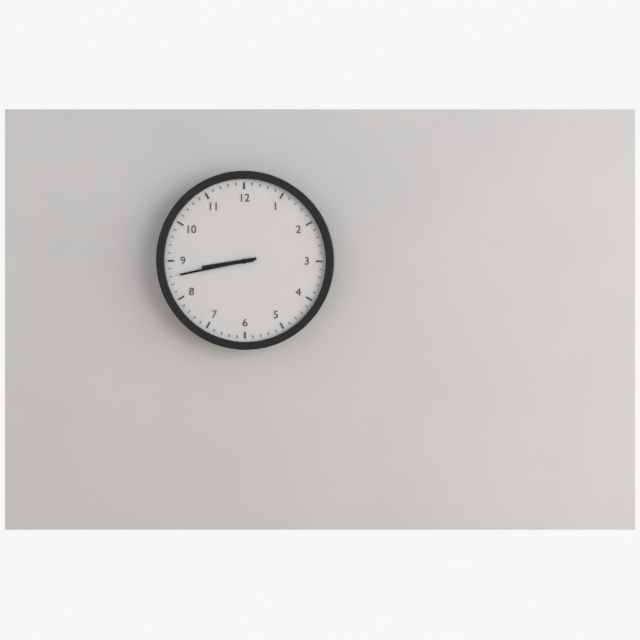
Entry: h=8 m=43
